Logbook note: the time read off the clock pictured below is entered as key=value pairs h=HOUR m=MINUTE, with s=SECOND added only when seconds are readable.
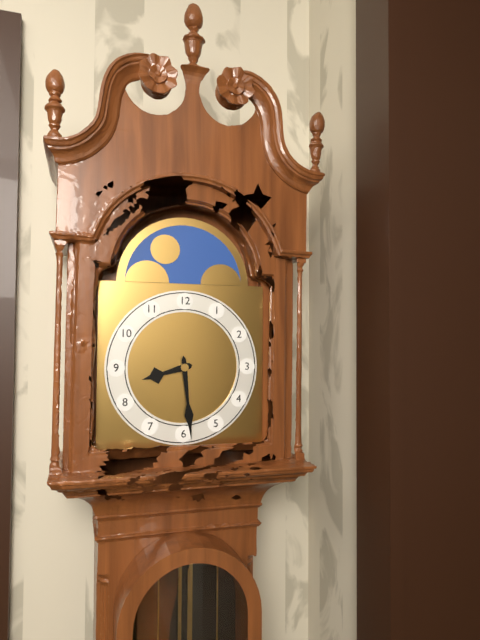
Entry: h=8 m=29
